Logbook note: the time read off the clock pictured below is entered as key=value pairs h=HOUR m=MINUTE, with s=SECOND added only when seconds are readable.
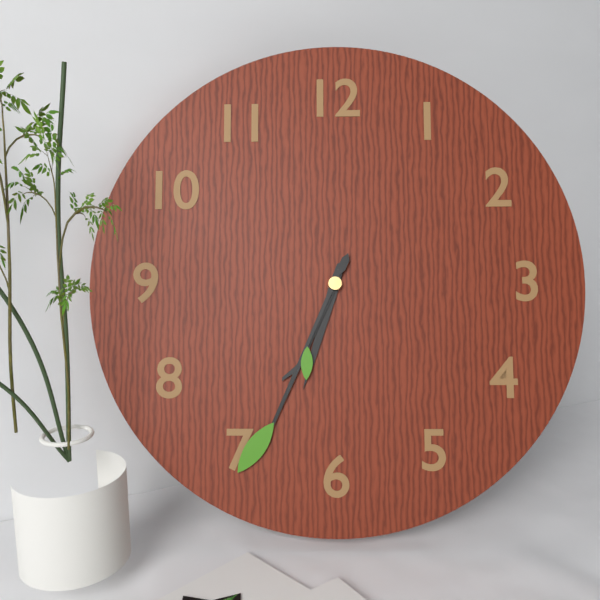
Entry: h=6 m=34 s=34
